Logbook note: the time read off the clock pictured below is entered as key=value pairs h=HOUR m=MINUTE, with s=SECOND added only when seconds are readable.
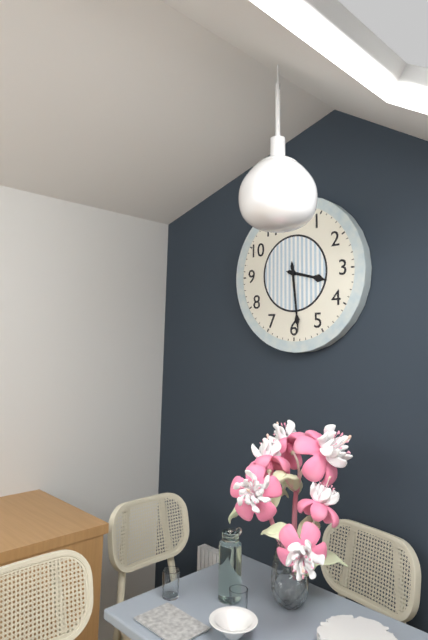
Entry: h=3 m=29
